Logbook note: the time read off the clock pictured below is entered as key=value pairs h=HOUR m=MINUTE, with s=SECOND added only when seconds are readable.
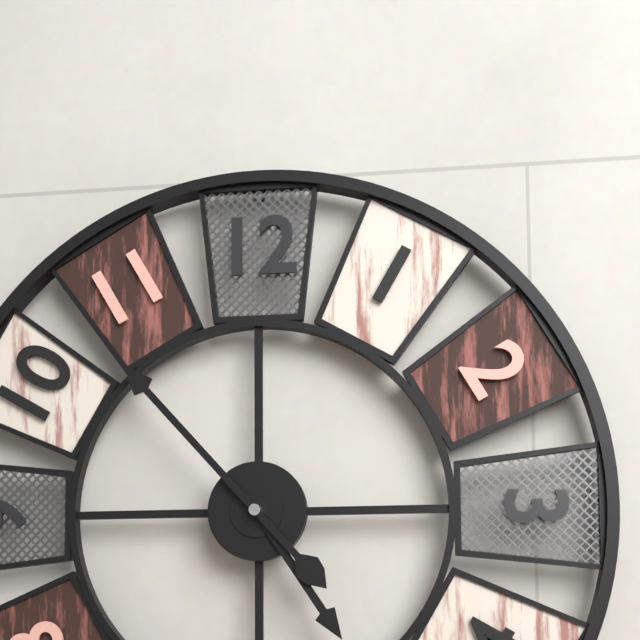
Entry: h=4 m=53
